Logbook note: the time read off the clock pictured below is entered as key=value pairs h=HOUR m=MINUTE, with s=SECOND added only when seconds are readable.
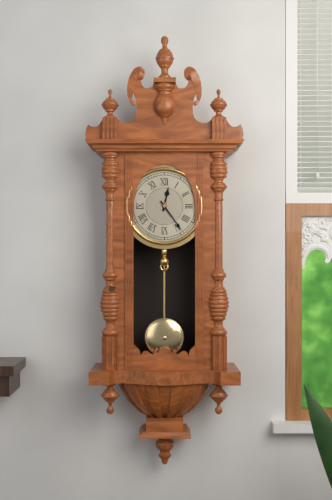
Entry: h=12 m=24
